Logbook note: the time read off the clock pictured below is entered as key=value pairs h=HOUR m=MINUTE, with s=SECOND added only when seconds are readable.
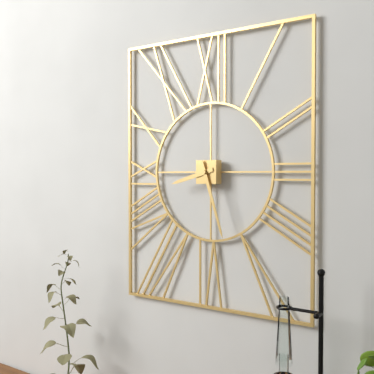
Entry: h=8 m=27
